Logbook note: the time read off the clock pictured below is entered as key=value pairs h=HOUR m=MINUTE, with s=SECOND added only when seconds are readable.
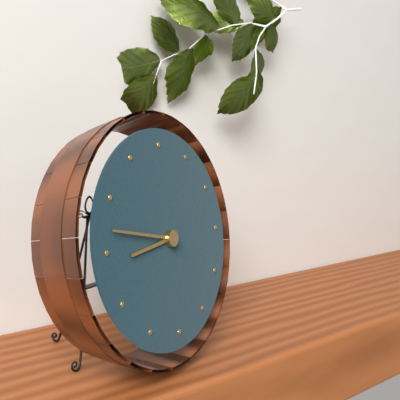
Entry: h=8 m=47
